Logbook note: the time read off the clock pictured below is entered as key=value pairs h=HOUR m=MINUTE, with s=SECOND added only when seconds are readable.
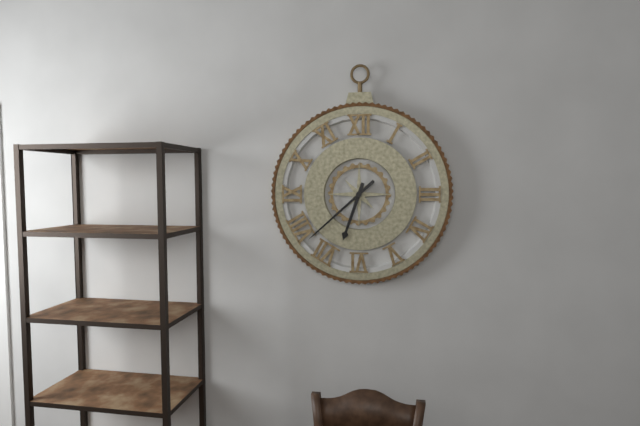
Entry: h=6 m=38
